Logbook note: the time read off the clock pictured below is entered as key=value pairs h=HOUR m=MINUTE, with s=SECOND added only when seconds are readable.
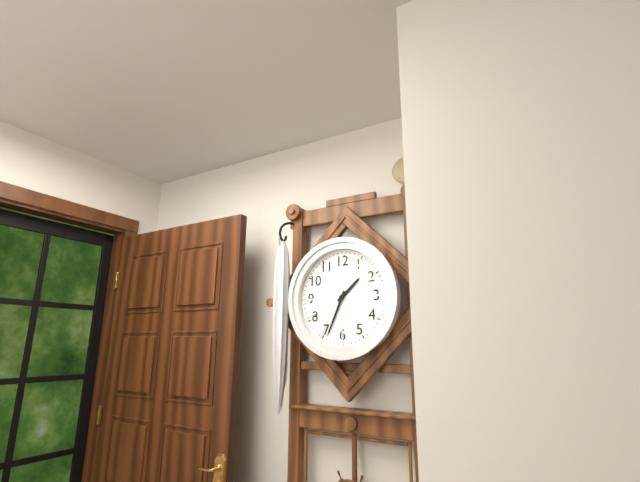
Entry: h=1 m=34
